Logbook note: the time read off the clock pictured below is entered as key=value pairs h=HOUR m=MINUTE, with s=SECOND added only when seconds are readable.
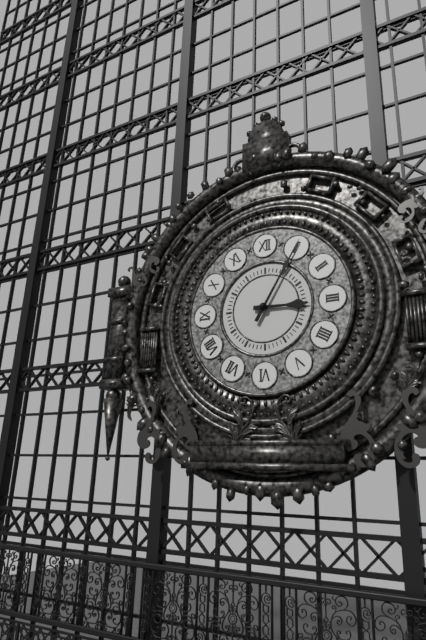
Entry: h=3 m=5
